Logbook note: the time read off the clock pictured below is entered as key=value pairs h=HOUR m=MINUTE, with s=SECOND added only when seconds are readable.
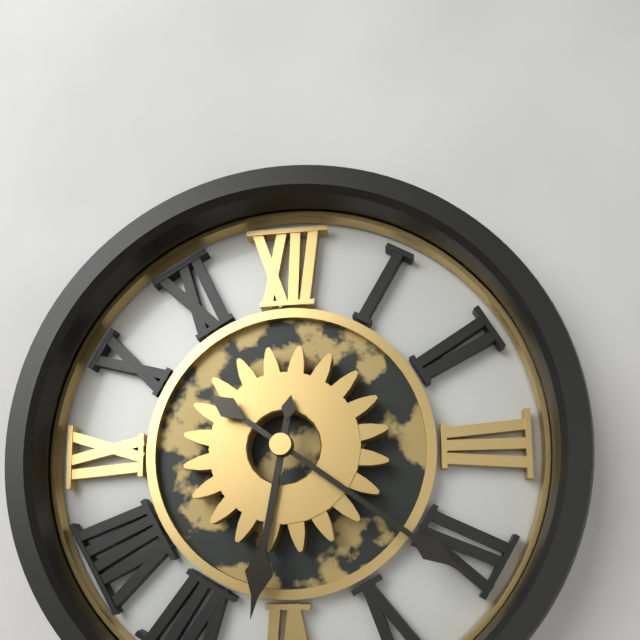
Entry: h=6 m=21
